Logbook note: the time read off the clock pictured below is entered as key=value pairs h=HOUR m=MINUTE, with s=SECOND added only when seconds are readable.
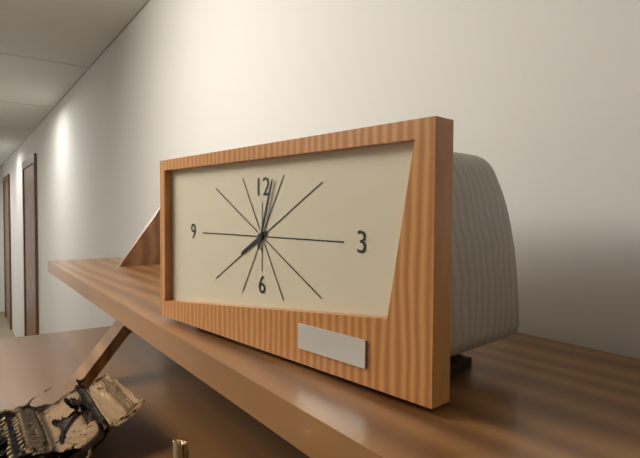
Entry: h=8 m=3
